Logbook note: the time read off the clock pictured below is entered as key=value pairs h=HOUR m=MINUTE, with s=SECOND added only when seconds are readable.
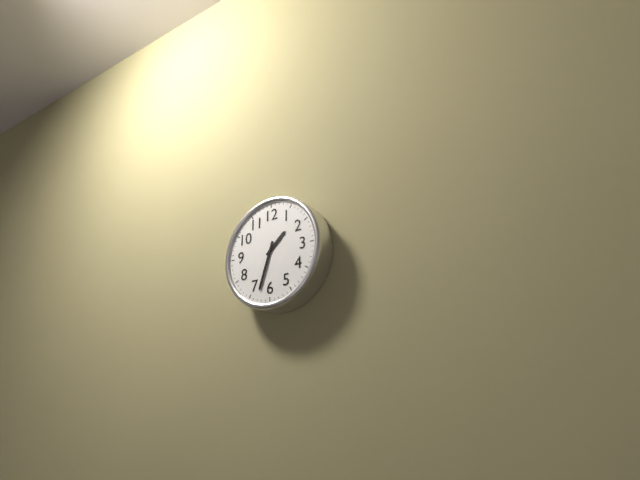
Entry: h=1 m=33
